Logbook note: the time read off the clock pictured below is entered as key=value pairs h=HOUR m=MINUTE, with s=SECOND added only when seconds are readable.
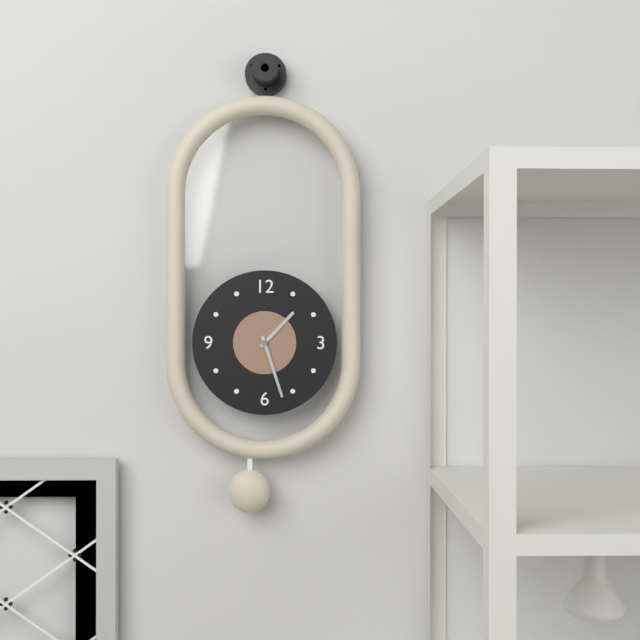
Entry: h=1 m=27
